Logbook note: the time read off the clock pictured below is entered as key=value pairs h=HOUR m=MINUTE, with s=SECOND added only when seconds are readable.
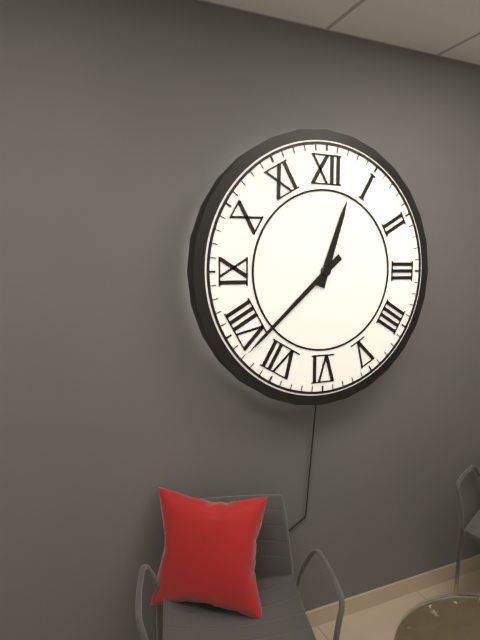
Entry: h=12 m=38
